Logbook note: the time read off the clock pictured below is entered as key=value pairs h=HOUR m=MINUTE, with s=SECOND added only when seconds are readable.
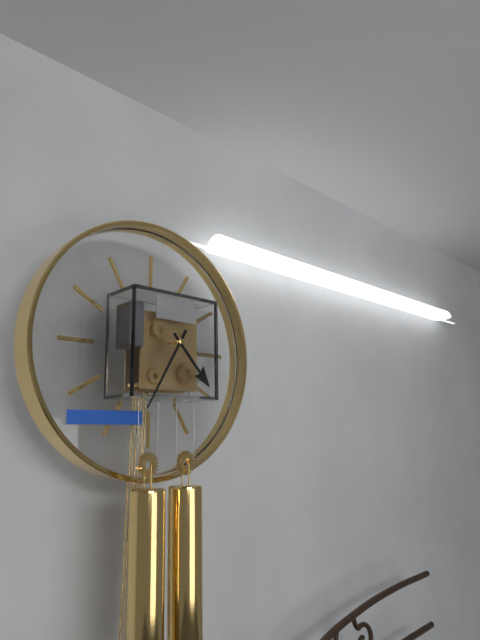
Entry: h=4 m=35
